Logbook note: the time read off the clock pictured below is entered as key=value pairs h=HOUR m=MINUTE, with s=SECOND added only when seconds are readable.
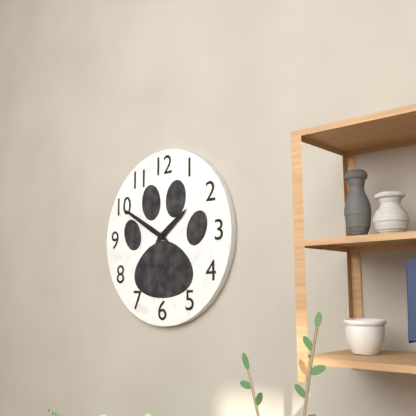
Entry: h=1 m=50
